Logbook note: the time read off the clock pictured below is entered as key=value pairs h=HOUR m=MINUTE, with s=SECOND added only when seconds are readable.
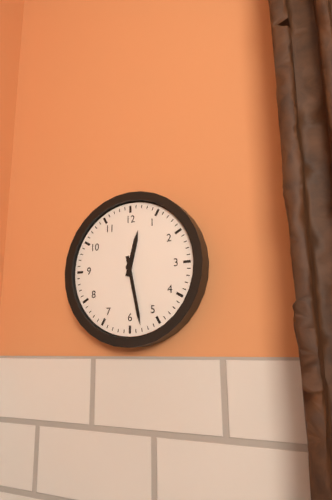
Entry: h=12 m=28
